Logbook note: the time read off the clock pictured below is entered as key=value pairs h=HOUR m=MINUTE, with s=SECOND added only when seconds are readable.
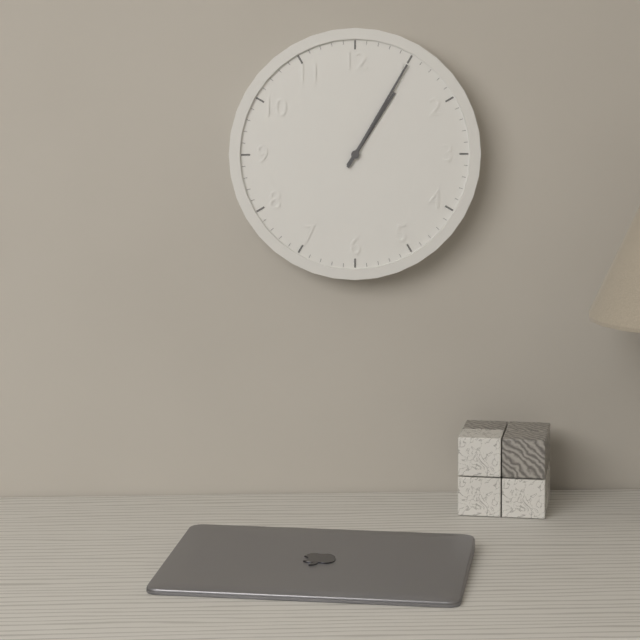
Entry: h=1 m=5
